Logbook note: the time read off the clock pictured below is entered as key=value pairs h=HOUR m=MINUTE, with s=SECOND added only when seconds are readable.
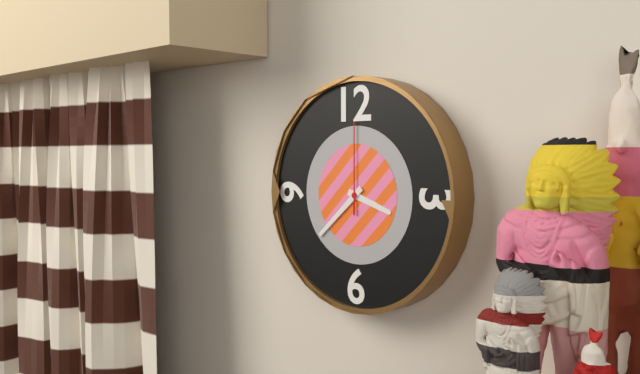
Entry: h=3 m=38 s=0
